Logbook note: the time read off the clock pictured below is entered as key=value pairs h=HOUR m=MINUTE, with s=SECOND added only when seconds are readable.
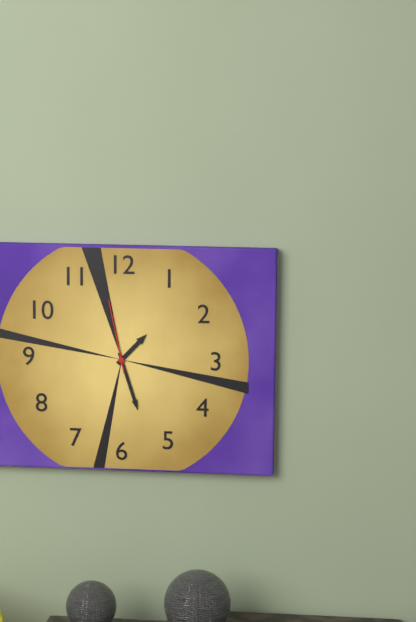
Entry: h=1 m=27 s=58
